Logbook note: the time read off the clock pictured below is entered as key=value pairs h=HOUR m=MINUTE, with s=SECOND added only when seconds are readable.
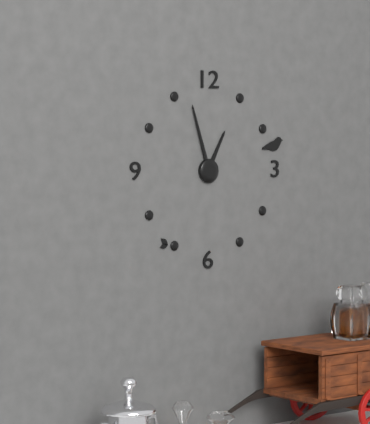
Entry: h=12 m=57
